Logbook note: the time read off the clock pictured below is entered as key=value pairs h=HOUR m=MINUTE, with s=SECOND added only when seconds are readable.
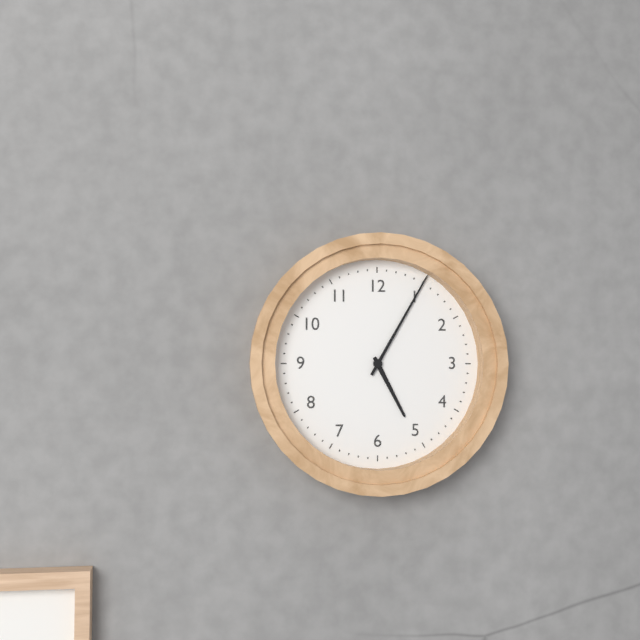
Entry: h=5 m=5
